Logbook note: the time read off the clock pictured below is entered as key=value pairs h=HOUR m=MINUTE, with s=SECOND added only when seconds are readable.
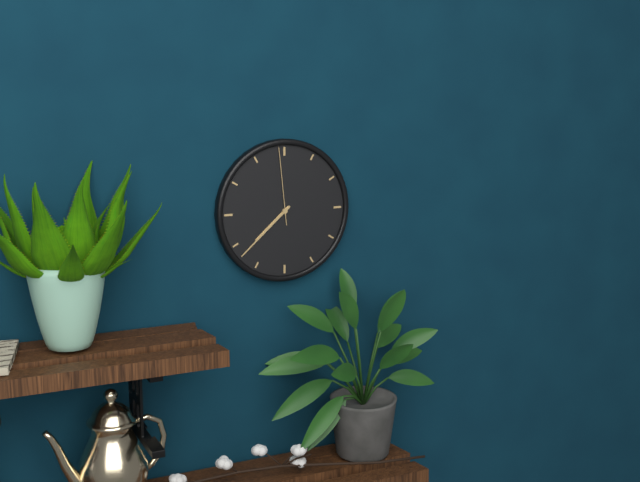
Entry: h=7 m=38 s=59
